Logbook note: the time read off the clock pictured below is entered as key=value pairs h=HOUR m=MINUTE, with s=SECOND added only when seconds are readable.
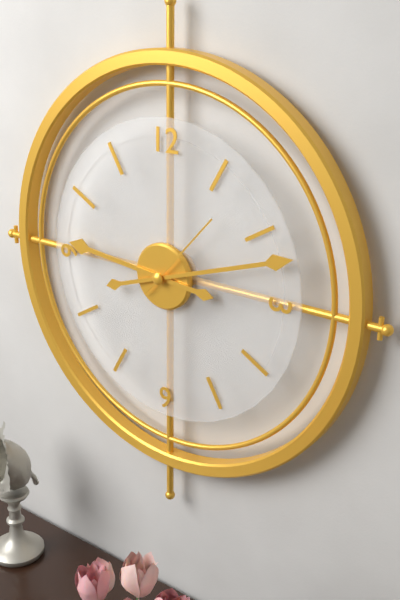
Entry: h=9 m=12 s=7
